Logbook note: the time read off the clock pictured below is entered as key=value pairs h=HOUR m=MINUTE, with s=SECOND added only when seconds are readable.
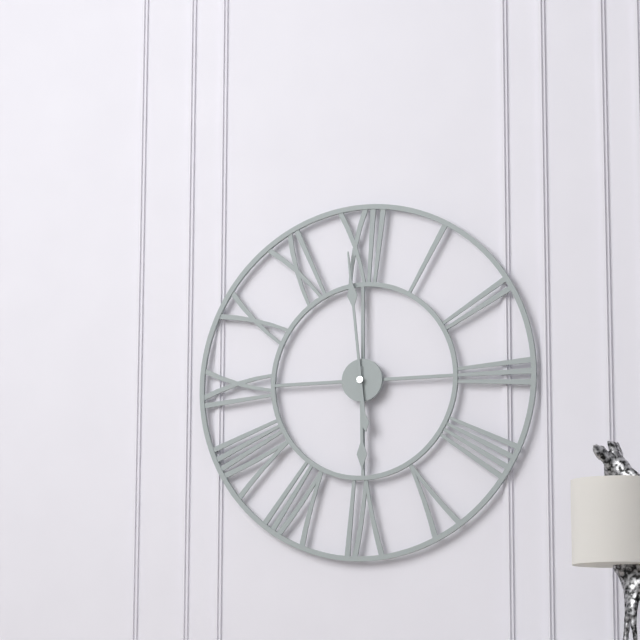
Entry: h=5 m=59
